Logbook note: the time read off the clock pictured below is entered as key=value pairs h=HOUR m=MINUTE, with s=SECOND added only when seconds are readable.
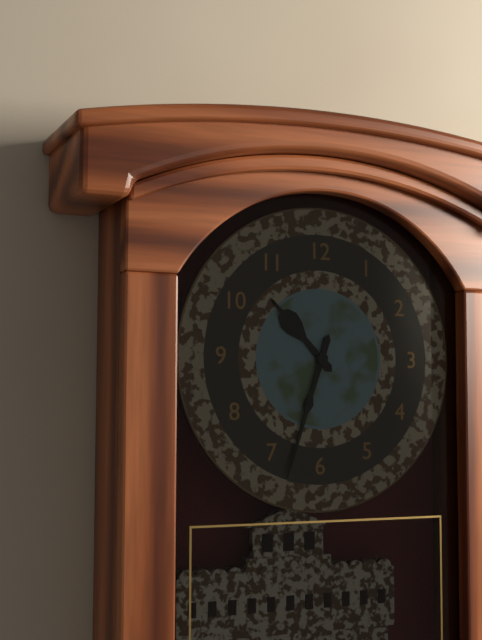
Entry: h=10 m=33
